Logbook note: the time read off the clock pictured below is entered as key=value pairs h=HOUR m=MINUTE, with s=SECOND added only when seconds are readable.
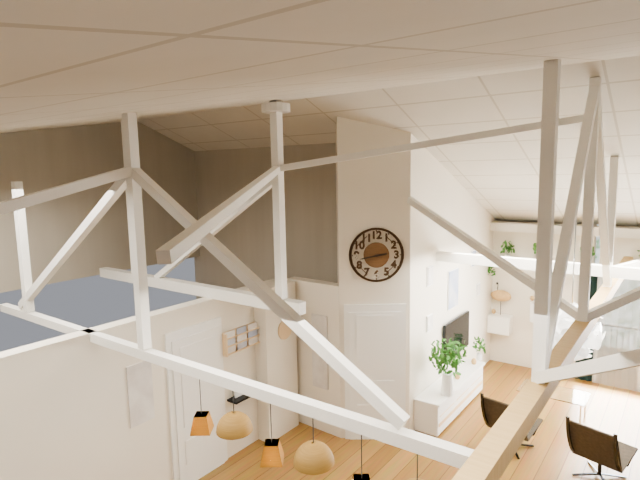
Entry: h=2 m=43
